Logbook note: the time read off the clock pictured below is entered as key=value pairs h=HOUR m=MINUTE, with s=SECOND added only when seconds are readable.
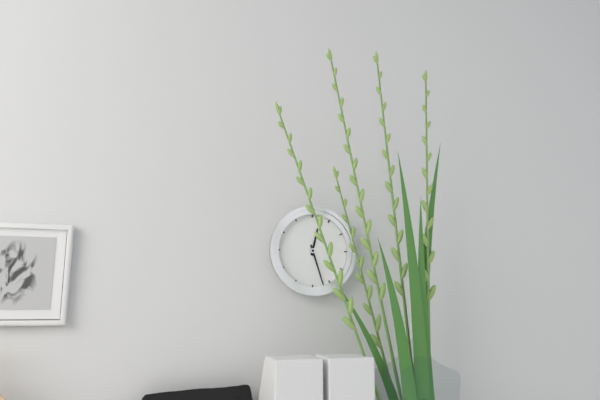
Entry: h=12 m=27
